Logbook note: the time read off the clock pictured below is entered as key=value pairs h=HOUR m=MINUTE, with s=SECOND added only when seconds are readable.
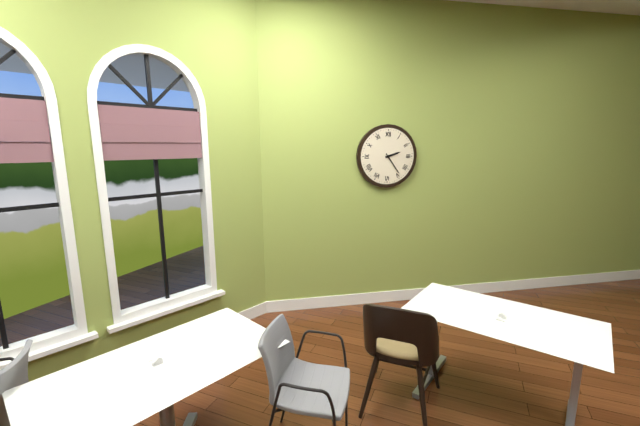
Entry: h=2 m=24
